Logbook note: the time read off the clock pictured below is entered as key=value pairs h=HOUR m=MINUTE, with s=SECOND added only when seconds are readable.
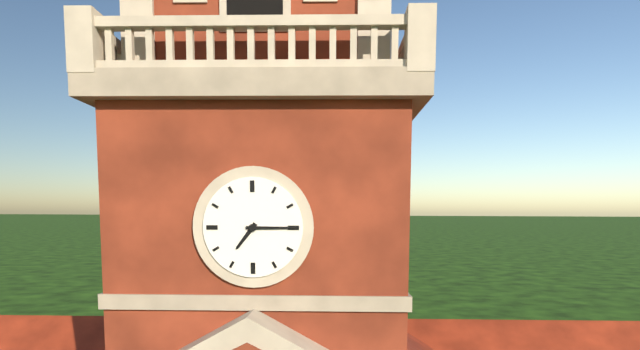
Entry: h=7 m=15
